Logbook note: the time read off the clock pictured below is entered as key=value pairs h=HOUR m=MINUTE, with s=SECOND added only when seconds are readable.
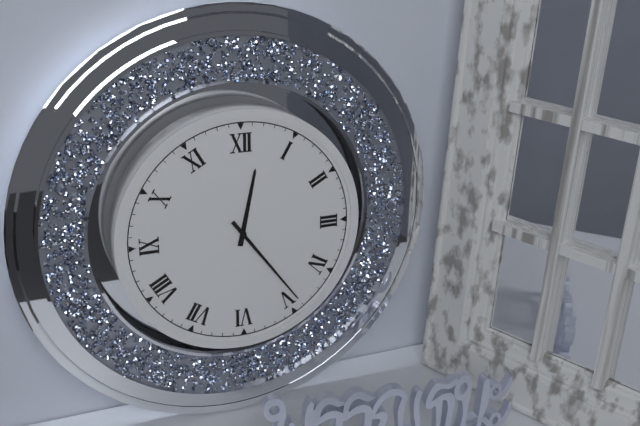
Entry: h=12 m=24
